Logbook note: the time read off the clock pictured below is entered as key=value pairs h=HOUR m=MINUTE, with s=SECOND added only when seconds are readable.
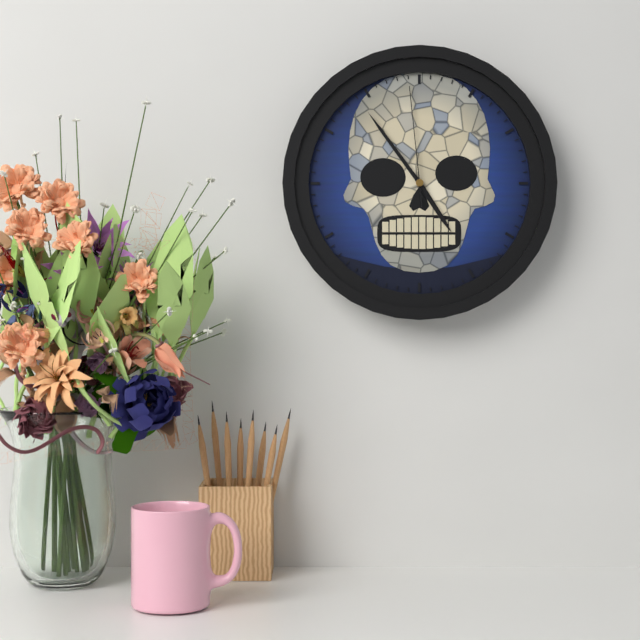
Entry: h=4 m=54 s=59
